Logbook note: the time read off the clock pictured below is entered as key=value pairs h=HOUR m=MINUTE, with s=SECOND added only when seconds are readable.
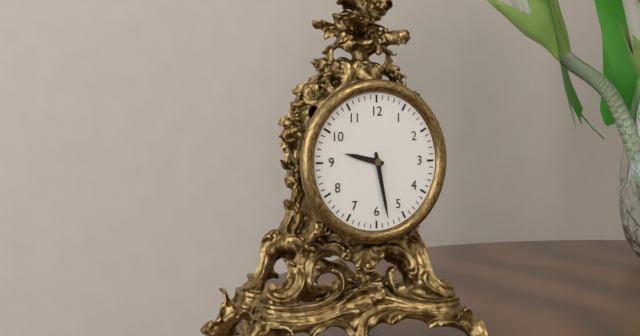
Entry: h=9 m=28
